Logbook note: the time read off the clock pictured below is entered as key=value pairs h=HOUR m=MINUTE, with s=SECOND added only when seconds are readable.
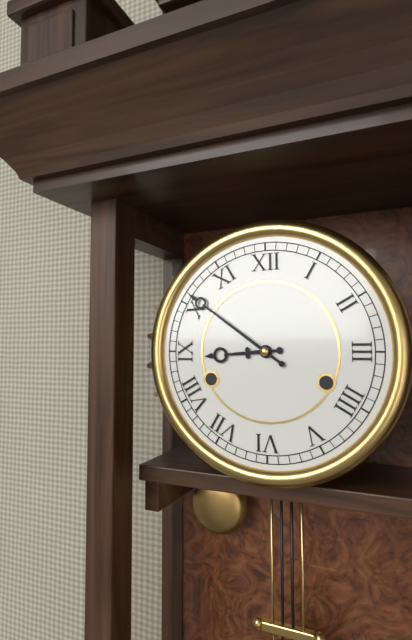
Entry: h=8 m=51
